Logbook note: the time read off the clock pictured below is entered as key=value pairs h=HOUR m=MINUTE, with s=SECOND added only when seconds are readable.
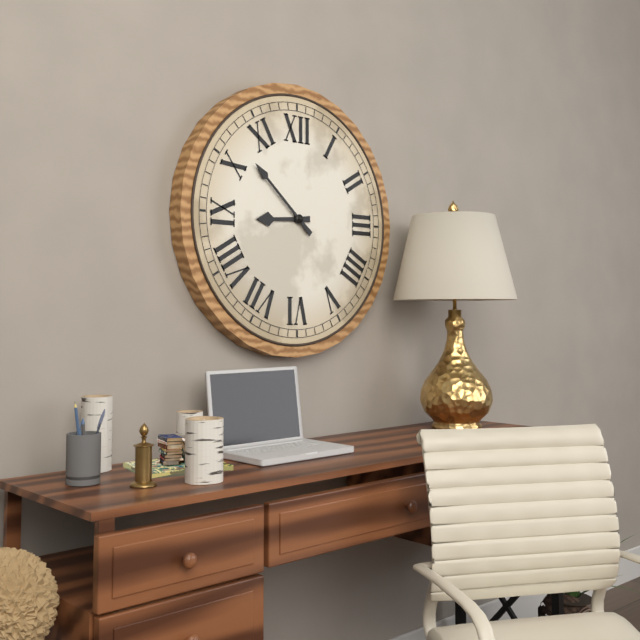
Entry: h=8 m=52
